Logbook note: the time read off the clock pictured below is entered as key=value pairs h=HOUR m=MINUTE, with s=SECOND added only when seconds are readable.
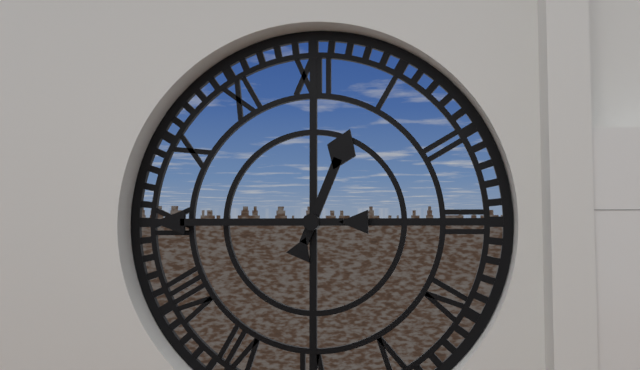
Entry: h=12 m=45
